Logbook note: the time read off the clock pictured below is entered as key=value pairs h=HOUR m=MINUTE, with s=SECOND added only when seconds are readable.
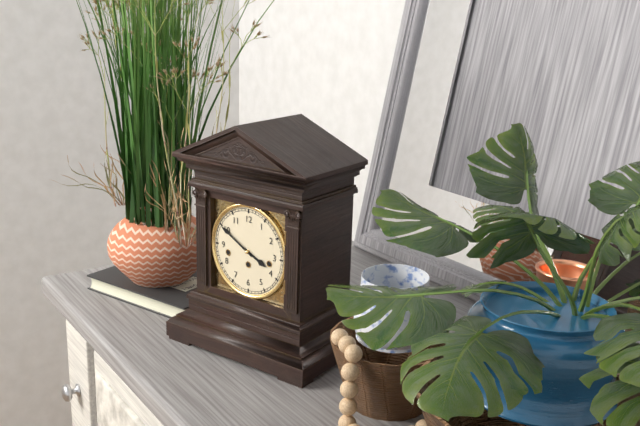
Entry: h=3 m=50
